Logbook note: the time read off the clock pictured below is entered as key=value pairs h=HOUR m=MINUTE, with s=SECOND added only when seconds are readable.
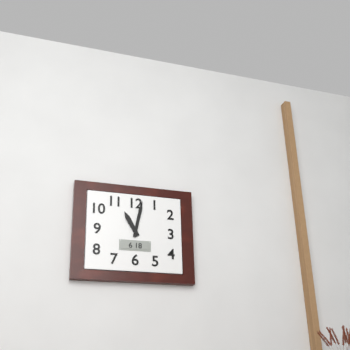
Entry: h=11 m=2
